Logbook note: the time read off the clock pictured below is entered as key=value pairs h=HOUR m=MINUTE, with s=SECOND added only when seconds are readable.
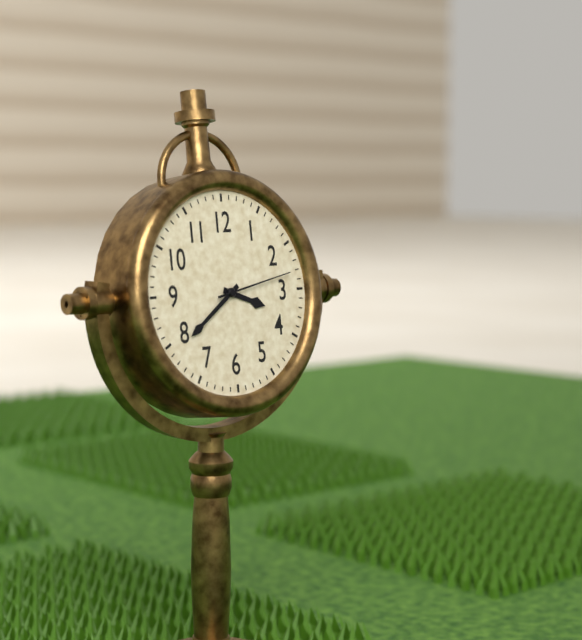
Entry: h=3 m=39 s=13
